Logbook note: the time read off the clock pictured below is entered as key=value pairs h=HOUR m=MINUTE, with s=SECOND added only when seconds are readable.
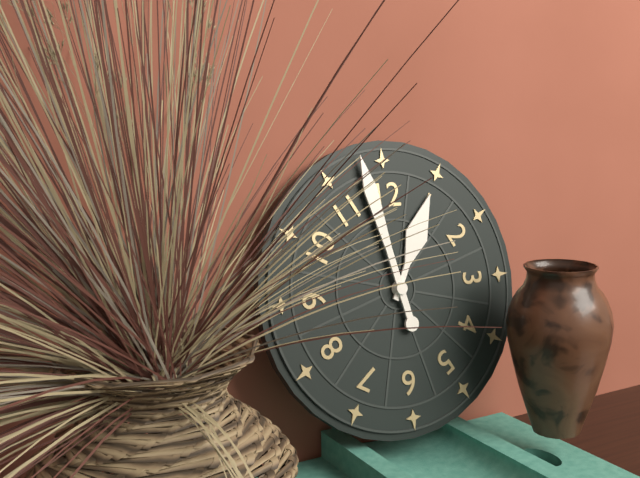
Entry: h=12 m=58
